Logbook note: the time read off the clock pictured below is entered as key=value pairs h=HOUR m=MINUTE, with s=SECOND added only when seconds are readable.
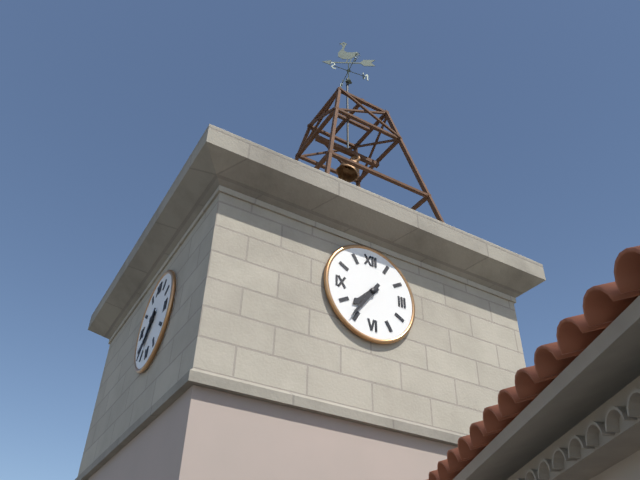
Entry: h=7 m=36
